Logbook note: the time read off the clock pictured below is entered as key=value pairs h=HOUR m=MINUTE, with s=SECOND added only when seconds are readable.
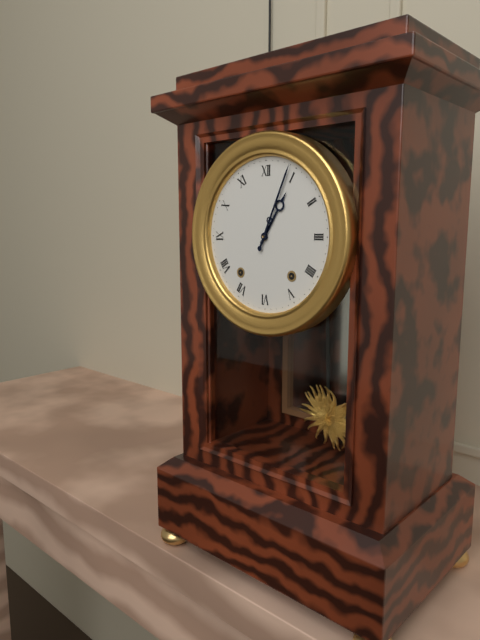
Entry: h=1 m=4
